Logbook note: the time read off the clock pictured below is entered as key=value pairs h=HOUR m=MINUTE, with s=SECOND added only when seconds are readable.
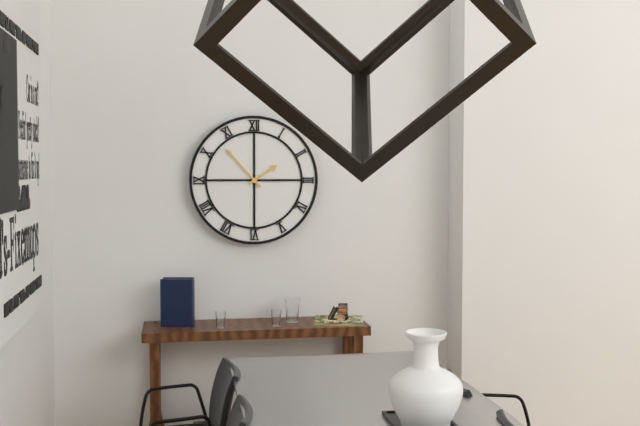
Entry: h=1 m=53
